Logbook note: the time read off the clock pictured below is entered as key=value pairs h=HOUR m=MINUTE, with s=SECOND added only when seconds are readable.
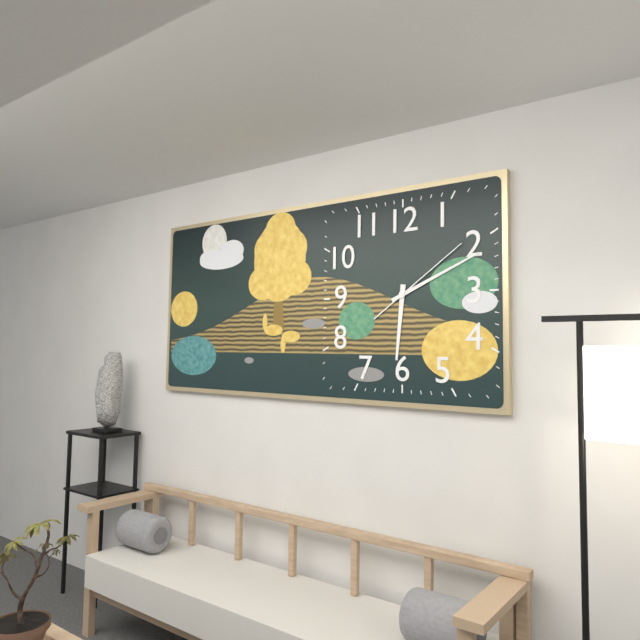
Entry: h=6 m=11 s=9
